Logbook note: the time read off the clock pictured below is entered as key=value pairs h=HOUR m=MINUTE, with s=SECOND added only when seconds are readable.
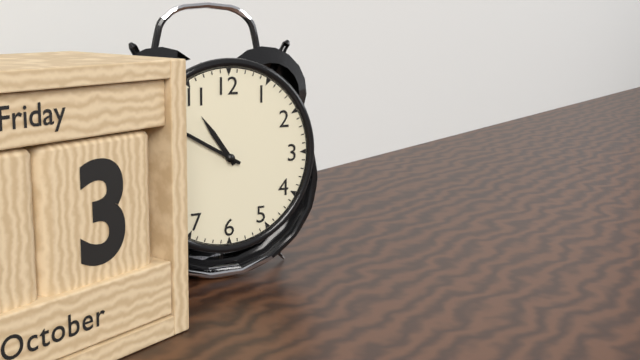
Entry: h=10 m=50
